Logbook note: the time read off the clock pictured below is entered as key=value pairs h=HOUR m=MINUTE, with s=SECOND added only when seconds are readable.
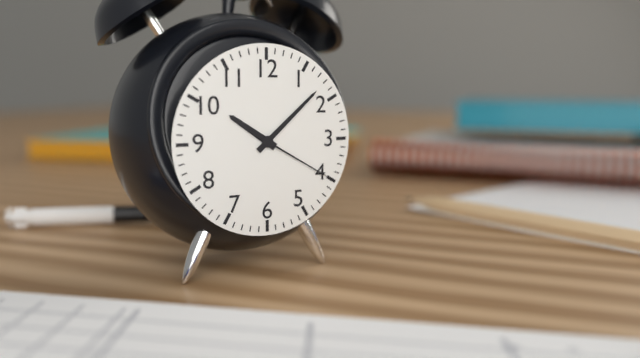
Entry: h=10 m=8 s=20
